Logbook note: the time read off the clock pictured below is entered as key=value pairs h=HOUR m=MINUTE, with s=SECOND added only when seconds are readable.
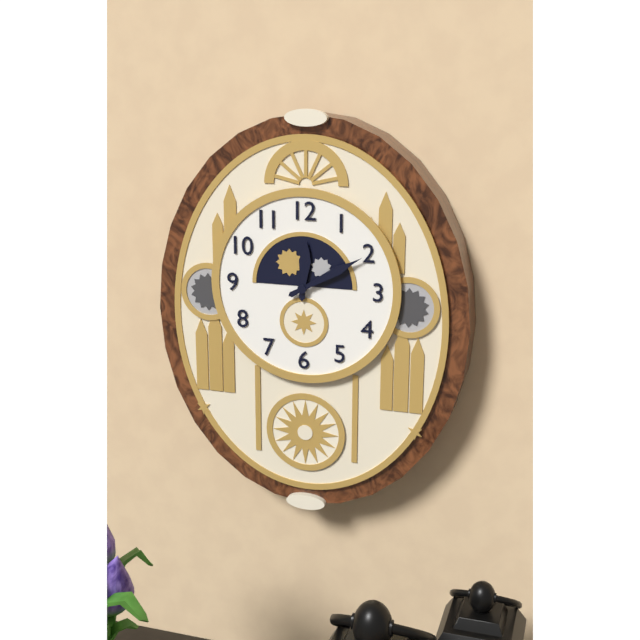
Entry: h=12 m=10
